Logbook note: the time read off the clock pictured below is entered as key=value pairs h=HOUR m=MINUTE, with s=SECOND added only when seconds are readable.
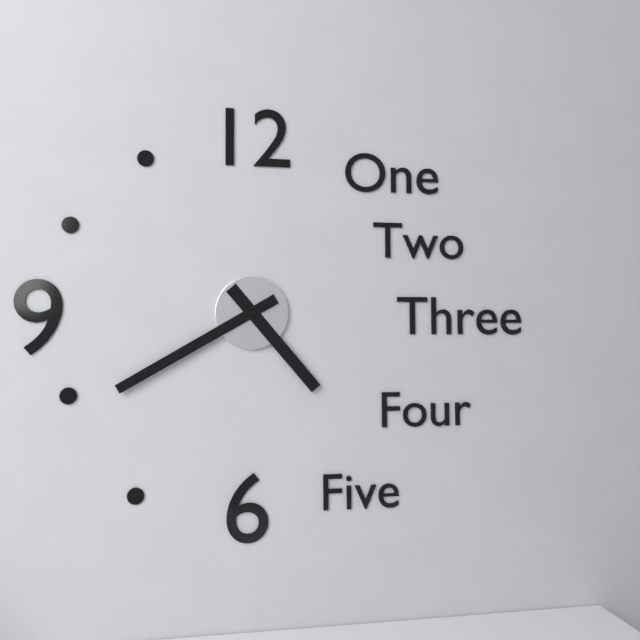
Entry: h=4 m=40
